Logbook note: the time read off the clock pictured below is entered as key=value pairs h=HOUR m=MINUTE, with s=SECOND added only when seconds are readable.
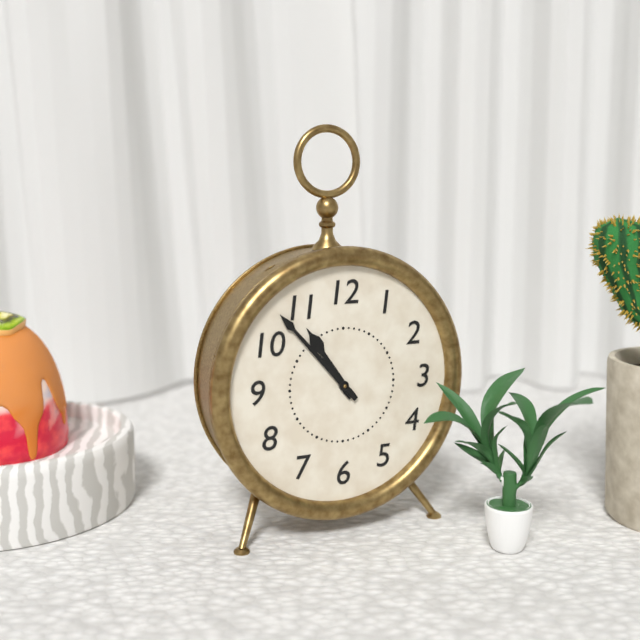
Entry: h=10 m=53
